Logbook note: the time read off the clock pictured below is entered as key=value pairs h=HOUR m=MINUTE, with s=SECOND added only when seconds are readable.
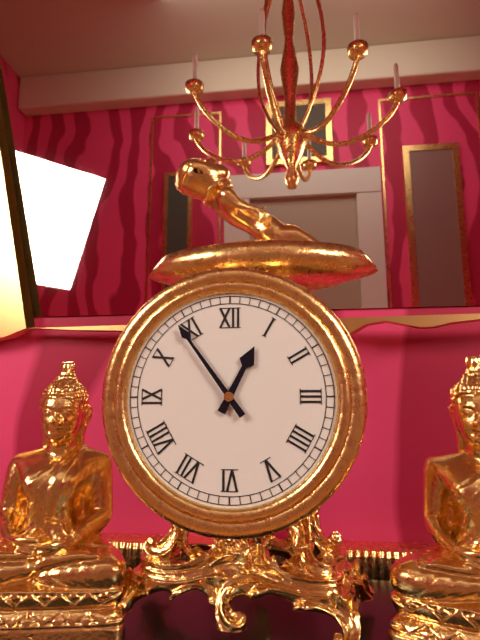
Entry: h=12 m=54
